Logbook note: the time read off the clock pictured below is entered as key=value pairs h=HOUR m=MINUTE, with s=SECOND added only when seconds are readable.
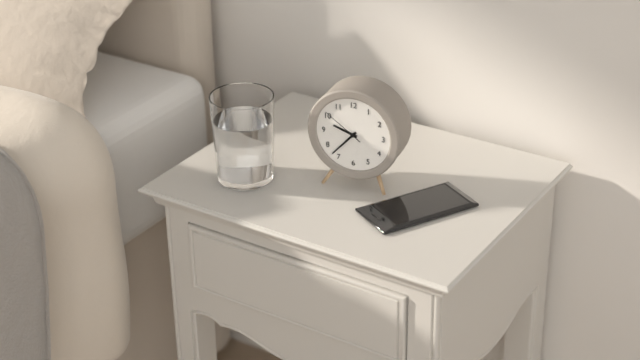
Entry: h=9 m=37
